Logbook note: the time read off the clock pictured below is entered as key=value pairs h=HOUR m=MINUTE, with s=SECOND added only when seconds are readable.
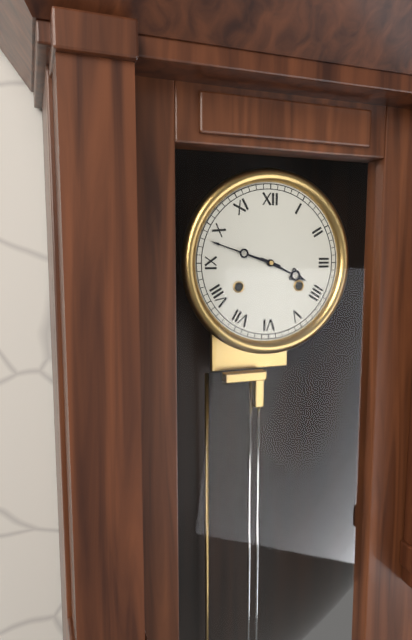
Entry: h=3 m=48
